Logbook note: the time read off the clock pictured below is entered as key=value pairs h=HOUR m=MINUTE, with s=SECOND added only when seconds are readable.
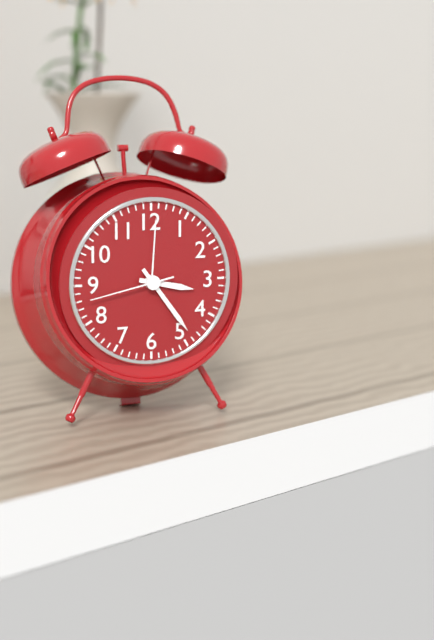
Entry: h=3 m=24 s=43
